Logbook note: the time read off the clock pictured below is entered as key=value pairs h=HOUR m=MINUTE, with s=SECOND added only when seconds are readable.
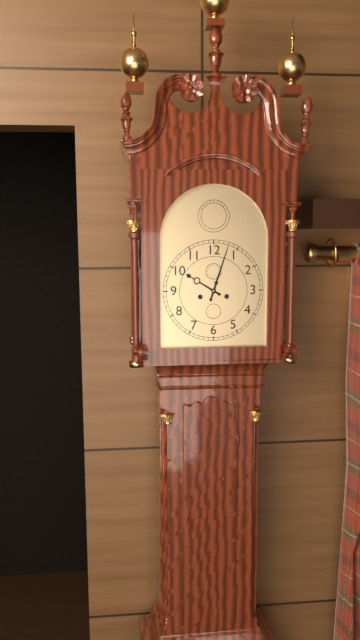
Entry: h=10 m=3
